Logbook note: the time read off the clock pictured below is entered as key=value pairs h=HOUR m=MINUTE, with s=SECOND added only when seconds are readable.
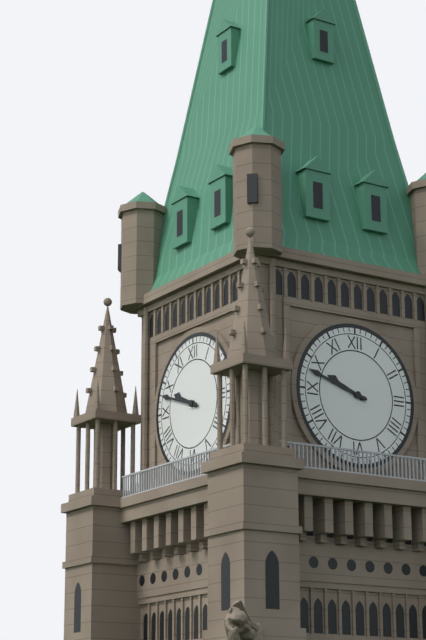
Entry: h=9 m=48
